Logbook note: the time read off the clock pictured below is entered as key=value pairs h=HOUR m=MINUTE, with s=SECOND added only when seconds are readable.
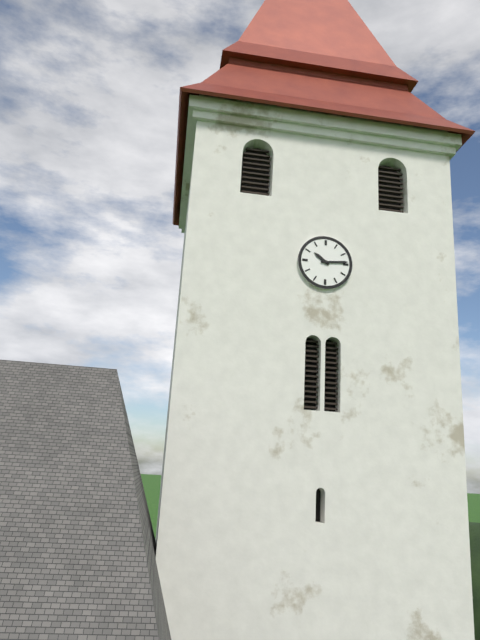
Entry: h=10 m=14
